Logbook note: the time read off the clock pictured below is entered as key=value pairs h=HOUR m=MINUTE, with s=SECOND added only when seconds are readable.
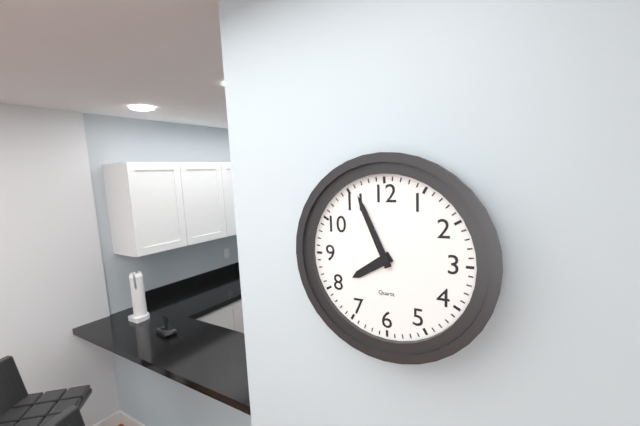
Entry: h=7 m=56
